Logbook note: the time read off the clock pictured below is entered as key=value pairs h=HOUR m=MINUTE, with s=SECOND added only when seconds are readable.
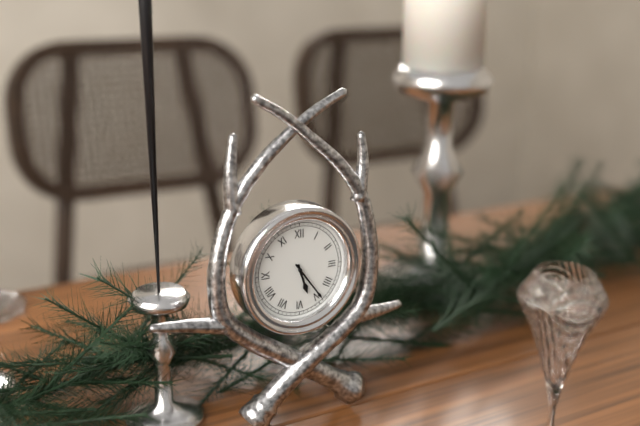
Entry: h=5 m=24
